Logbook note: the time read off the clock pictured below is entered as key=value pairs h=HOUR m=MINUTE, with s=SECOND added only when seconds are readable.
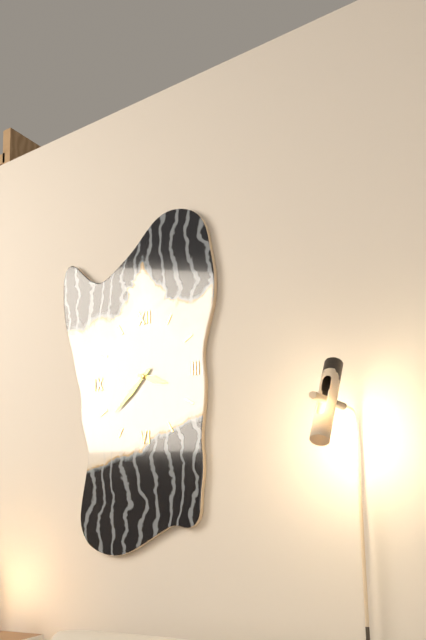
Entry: h=3 m=38
